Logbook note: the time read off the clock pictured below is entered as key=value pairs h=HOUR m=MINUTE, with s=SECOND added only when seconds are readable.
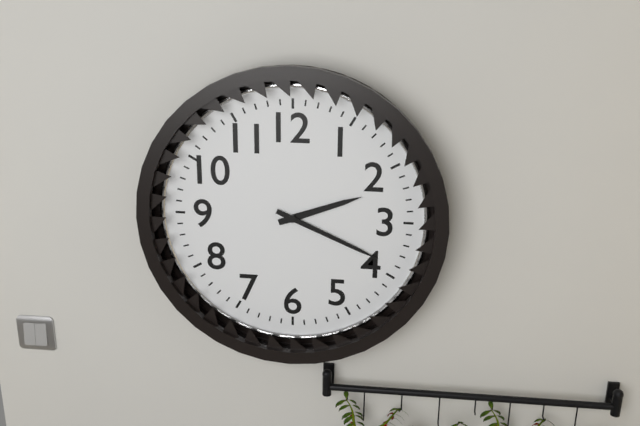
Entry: h=2 m=19
